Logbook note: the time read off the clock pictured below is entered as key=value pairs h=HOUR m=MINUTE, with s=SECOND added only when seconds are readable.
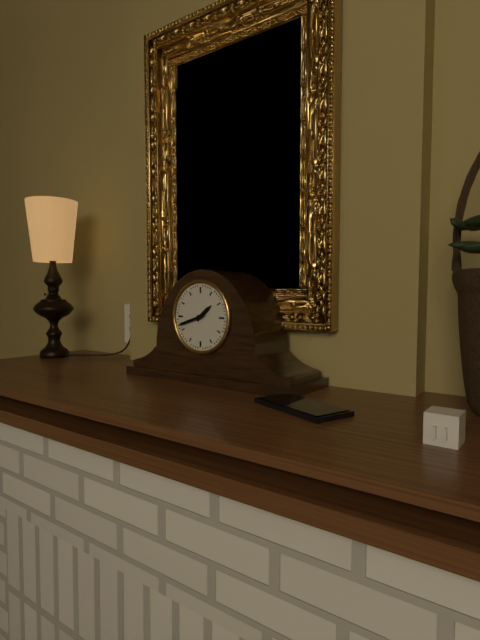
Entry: h=1 m=42
